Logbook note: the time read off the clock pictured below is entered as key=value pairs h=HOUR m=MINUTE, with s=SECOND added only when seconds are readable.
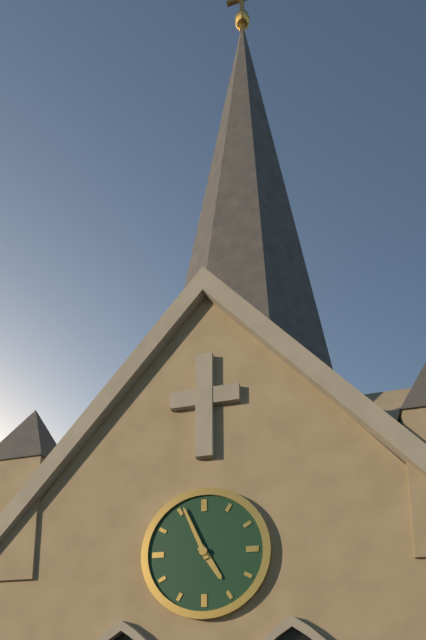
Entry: h=4 m=56
